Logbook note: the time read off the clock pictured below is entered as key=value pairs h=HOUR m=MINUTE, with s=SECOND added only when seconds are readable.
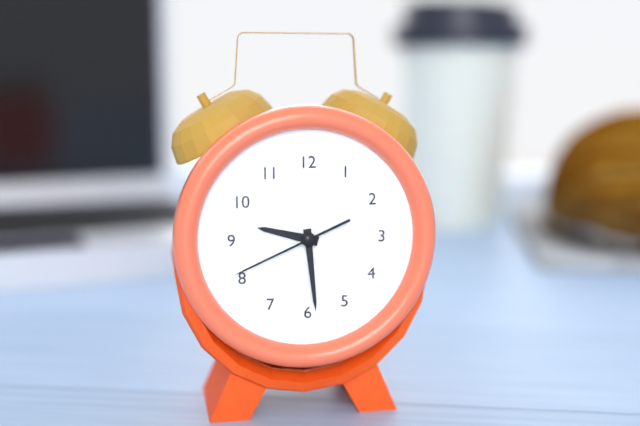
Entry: h=9 m=29 s=41
